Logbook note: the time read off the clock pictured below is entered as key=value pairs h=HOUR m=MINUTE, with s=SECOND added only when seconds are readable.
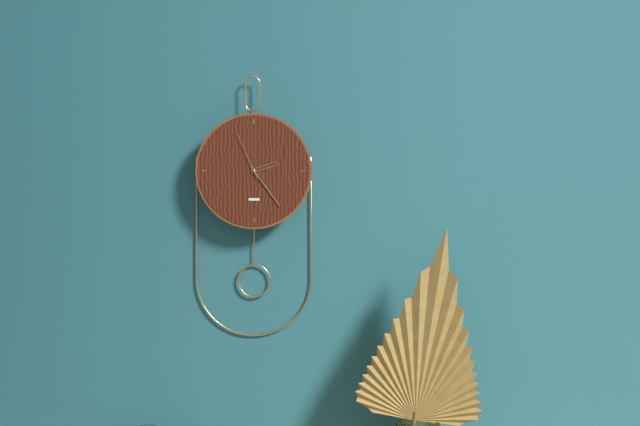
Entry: h=2 m=24 s=56
